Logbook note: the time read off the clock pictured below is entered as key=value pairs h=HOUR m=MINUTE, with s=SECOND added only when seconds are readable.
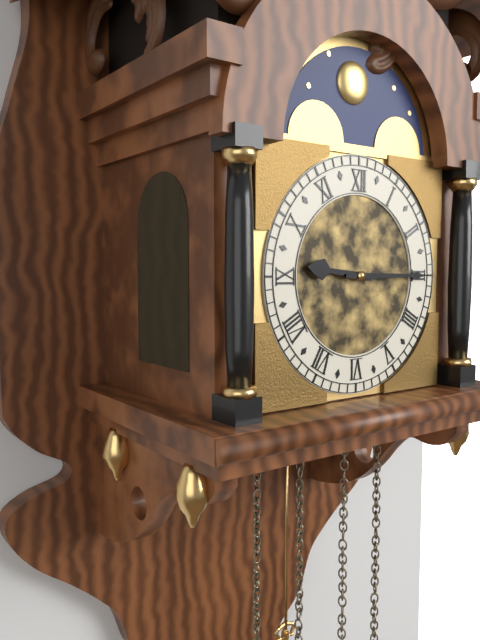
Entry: h=9 m=15
